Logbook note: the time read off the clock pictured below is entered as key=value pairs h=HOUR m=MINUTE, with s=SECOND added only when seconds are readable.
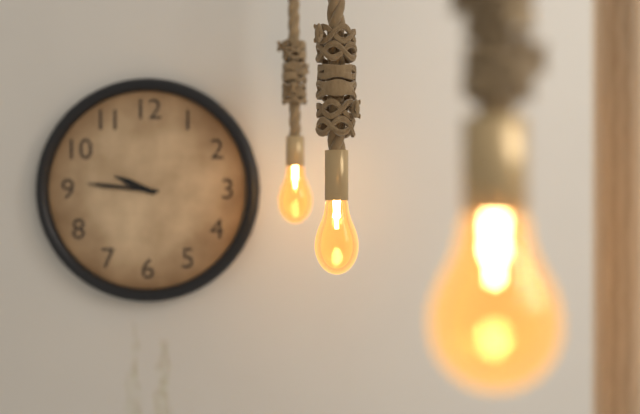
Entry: h=9 m=46
